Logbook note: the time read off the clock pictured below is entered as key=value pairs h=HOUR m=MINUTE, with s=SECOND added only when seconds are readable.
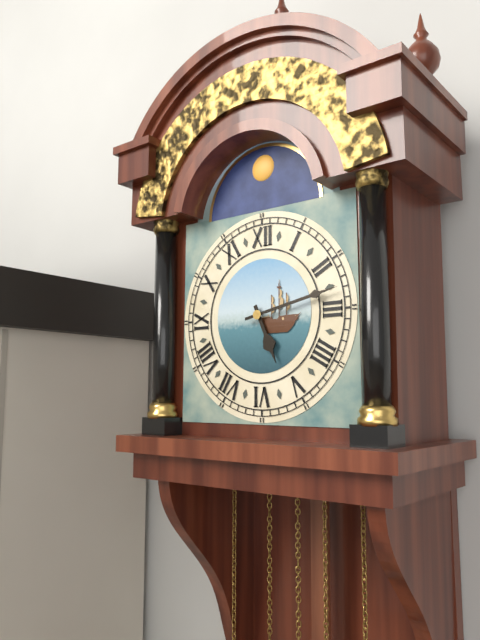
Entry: h=5 m=13
